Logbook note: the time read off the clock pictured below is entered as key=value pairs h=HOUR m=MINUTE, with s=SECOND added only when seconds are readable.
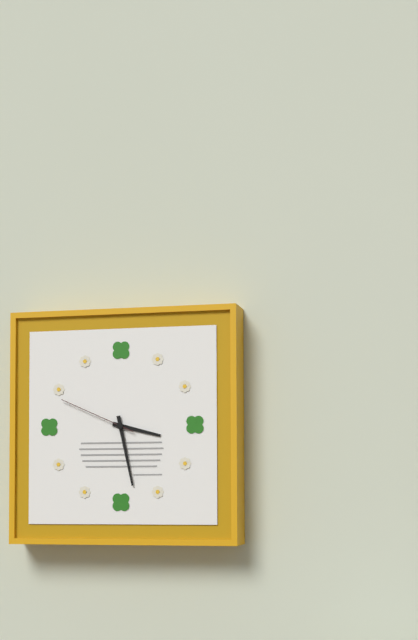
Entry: h=3 m=28 s=49
